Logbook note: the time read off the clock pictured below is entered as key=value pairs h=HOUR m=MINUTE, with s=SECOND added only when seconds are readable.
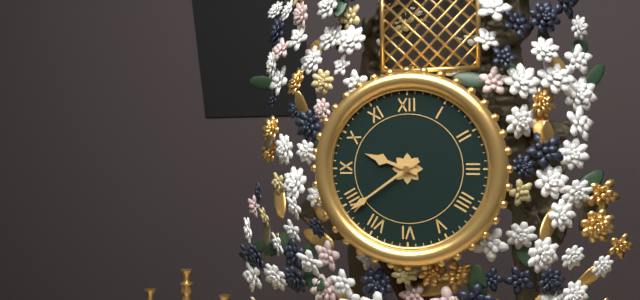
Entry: h=9 m=39
